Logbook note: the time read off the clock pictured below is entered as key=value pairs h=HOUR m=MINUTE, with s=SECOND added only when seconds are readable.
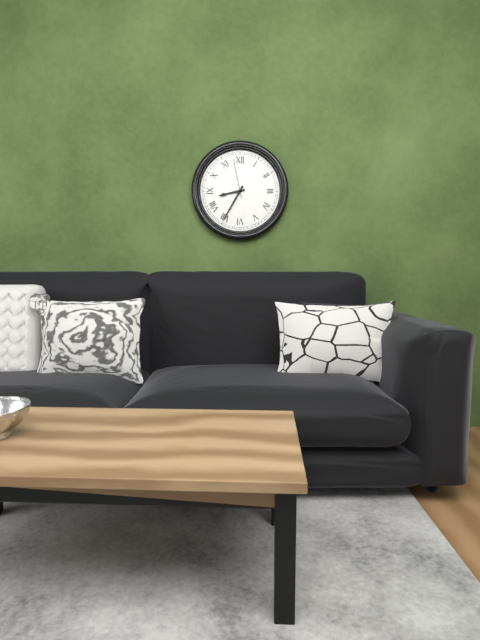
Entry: h=8 m=35
